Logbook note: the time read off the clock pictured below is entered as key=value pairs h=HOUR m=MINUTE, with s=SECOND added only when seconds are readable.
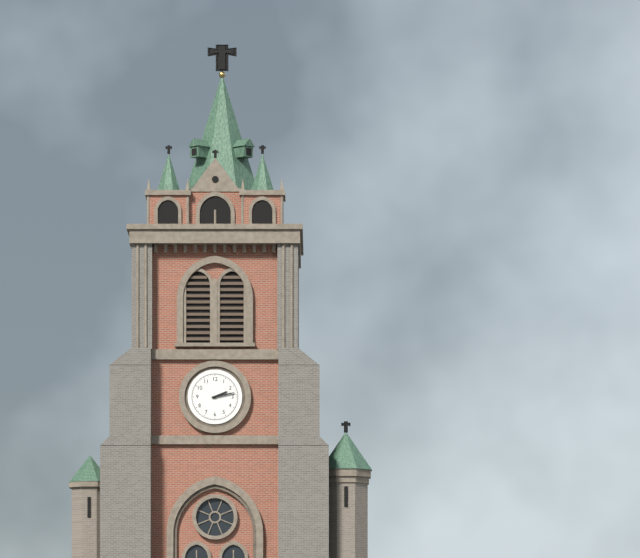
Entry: h=2 m=13
